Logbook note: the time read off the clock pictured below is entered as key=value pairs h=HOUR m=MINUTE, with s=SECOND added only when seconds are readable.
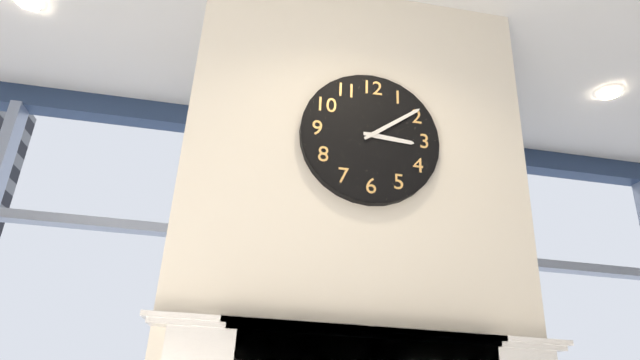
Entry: h=3 m=9
